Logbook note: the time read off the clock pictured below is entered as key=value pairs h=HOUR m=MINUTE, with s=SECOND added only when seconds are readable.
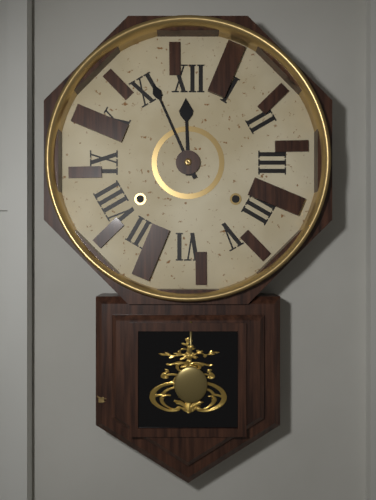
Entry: h=11 m=56
